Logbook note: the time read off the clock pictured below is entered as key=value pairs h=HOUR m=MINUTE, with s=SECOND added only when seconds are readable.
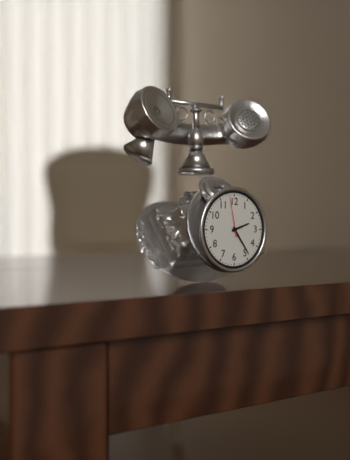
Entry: h=2 m=24
